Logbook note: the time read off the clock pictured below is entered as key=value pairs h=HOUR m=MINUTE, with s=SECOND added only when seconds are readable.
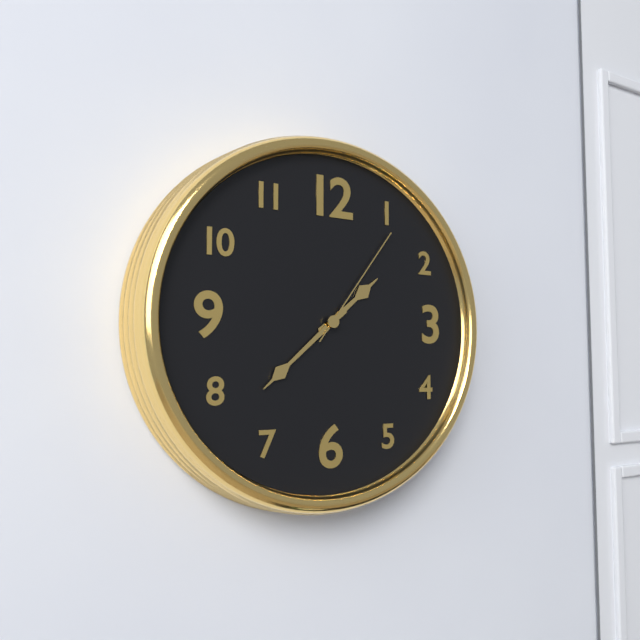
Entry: h=1 m=38 s=6
